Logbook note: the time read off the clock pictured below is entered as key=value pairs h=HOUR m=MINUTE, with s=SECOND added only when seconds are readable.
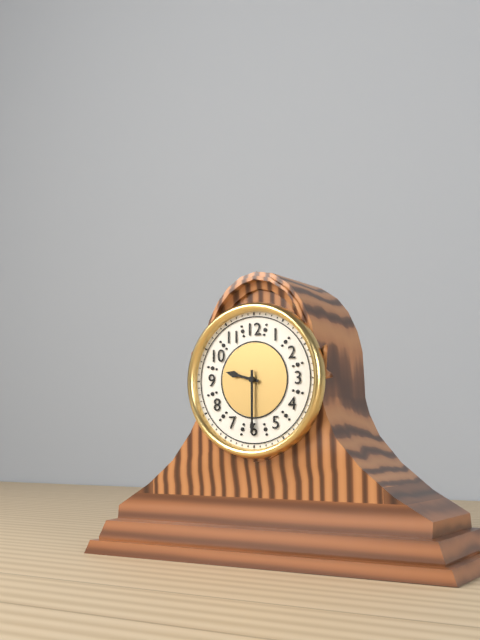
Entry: h=9 m=30
